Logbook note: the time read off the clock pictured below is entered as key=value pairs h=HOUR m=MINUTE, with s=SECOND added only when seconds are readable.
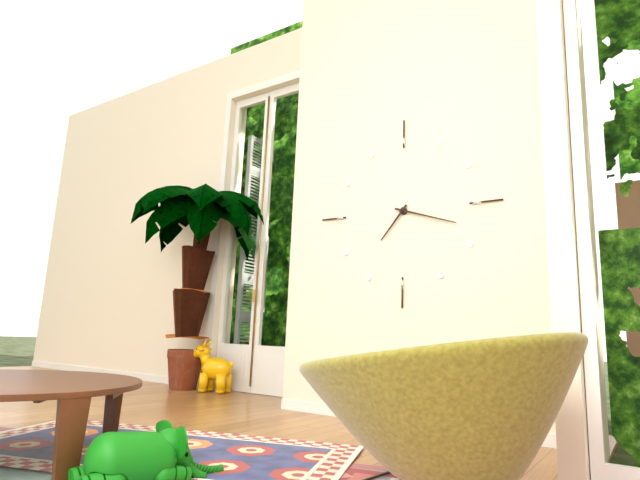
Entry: h=7 m=18
